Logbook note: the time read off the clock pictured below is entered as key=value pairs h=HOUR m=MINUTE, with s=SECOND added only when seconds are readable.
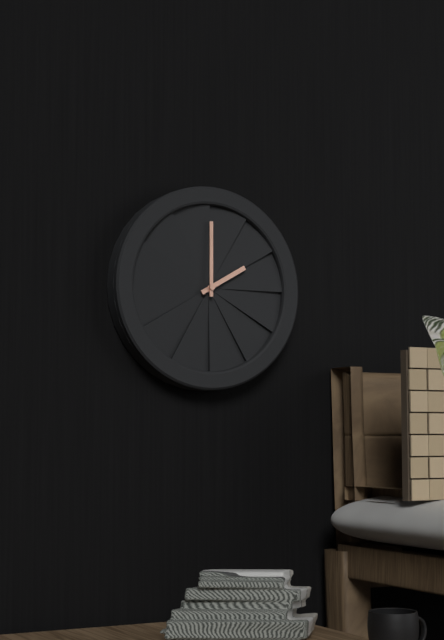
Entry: h=2 m=0
